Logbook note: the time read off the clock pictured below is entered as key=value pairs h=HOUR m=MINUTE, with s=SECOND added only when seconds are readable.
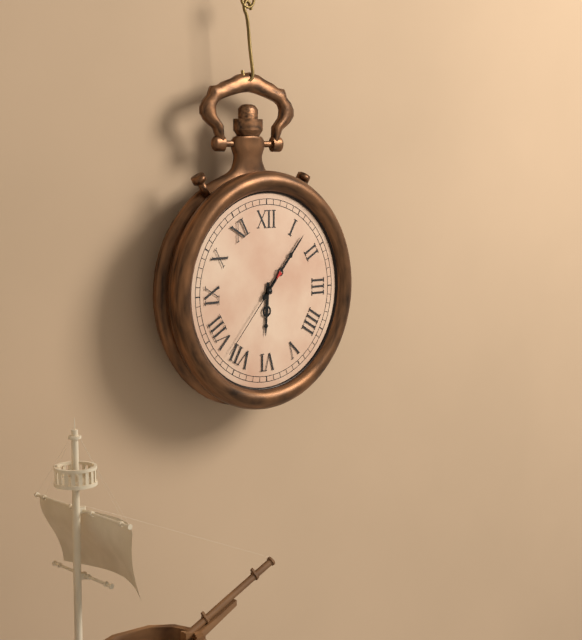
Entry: h=6 m=7 s=37
